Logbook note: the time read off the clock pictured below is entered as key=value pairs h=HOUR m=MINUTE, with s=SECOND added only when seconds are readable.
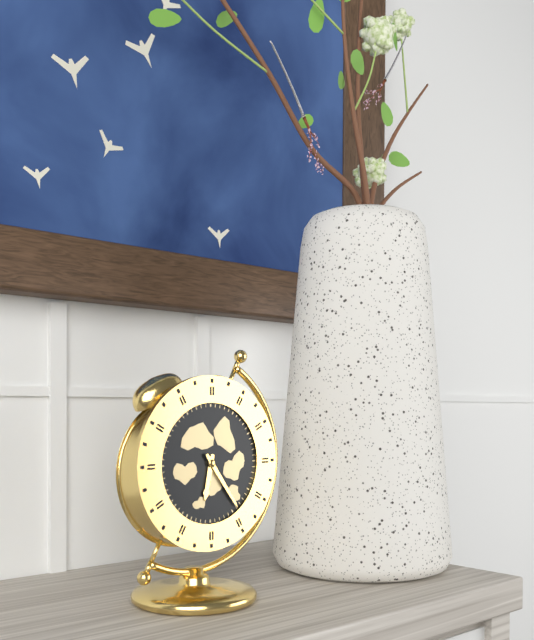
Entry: h=6 m=24
